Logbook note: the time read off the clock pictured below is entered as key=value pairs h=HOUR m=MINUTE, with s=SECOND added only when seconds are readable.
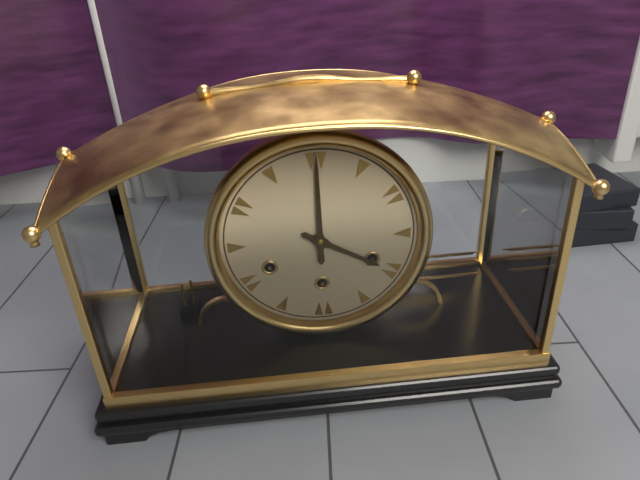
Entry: h=4 m=0
